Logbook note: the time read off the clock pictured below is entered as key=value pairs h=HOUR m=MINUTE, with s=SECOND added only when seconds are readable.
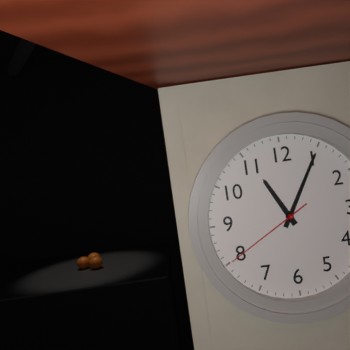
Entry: h=11 m=5 s=40
